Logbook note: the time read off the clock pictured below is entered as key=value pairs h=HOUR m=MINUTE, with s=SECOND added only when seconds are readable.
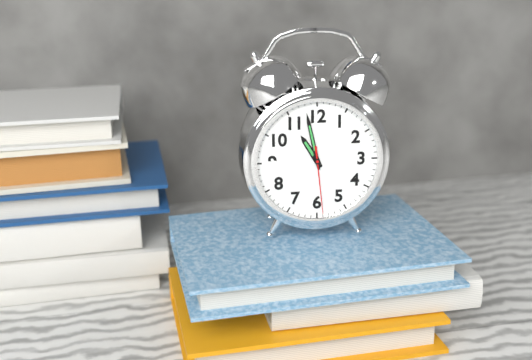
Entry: h=10 m=58 s=29
